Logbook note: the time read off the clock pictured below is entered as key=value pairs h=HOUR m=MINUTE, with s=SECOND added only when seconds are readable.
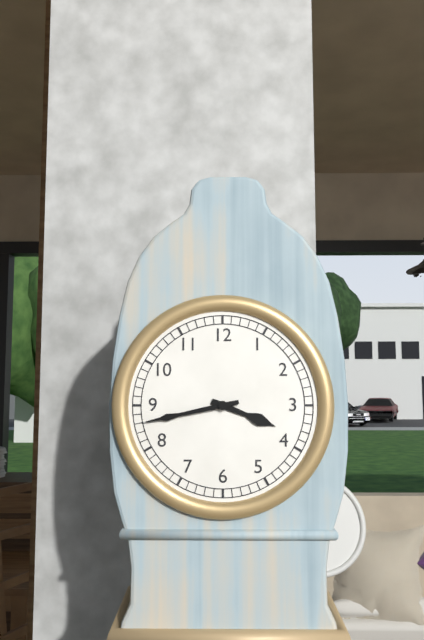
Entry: h=3 m=43
